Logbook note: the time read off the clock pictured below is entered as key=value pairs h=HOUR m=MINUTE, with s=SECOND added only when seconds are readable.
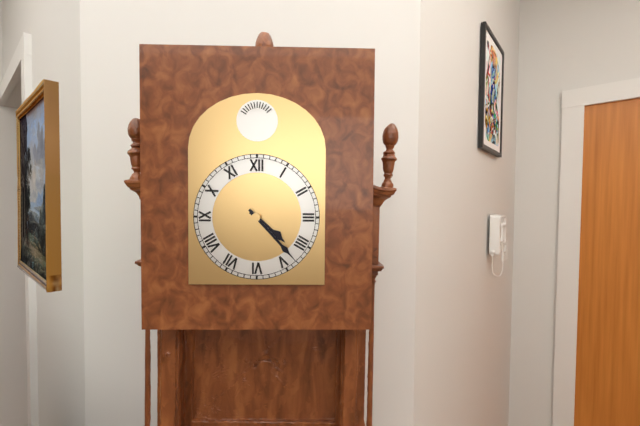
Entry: h=4 m=23
